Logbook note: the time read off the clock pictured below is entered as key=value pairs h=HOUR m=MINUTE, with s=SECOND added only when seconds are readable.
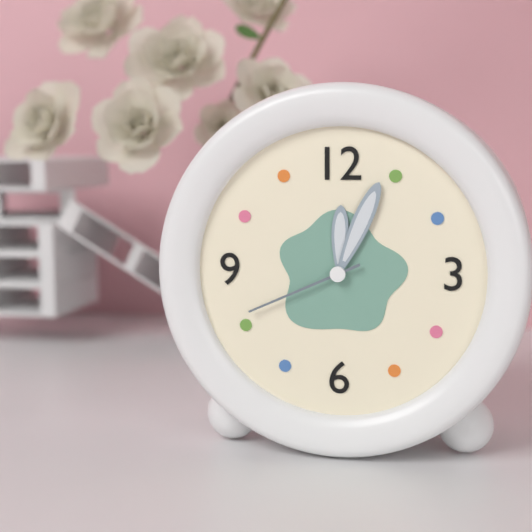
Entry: h=12 m=4 s=41
